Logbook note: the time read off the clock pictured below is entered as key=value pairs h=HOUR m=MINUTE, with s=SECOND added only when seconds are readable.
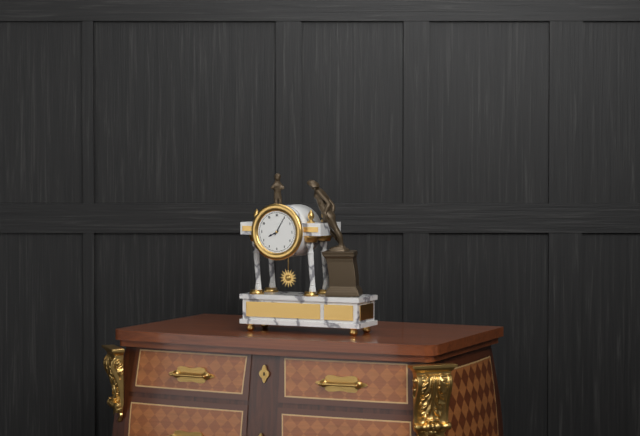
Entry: h=8 m=5
